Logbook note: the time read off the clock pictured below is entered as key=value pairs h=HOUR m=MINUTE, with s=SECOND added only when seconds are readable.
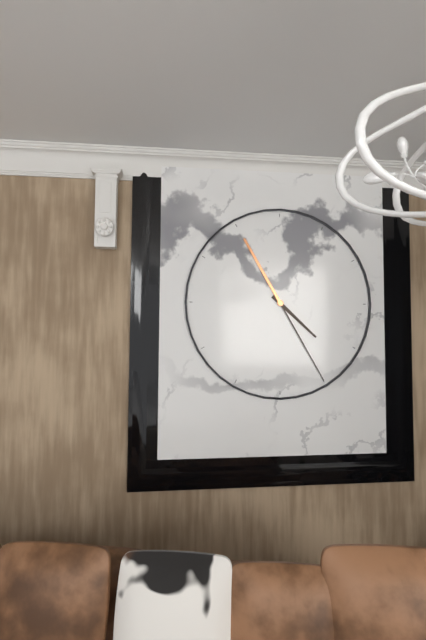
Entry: h=4 m=25
